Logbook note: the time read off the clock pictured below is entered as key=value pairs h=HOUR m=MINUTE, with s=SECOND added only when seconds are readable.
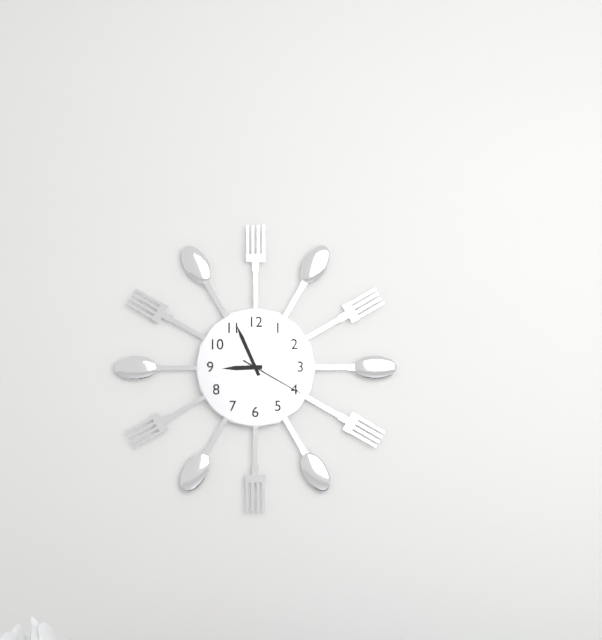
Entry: h=8 m=56 s=20
